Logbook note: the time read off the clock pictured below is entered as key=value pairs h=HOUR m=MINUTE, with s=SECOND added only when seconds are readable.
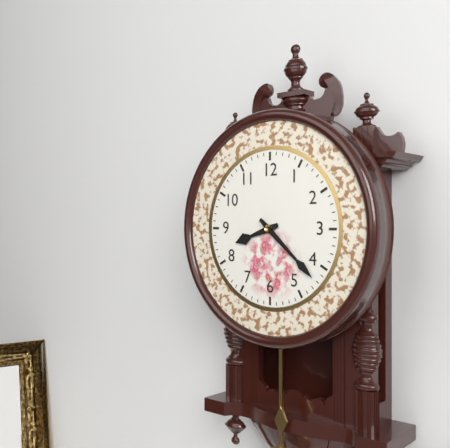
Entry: h=8 m=22
